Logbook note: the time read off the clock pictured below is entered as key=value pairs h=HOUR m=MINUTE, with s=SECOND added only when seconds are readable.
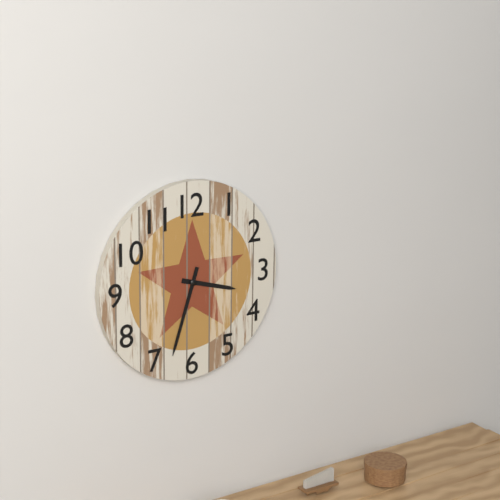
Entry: h=3 m=33
